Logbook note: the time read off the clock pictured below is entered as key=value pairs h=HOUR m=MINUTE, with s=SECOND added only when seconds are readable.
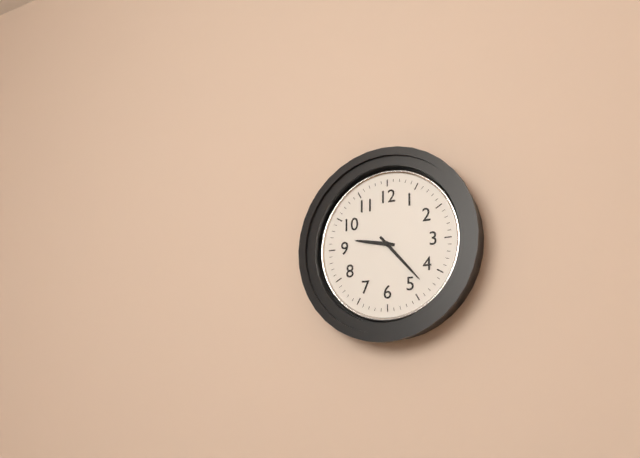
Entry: h=9 m=23
